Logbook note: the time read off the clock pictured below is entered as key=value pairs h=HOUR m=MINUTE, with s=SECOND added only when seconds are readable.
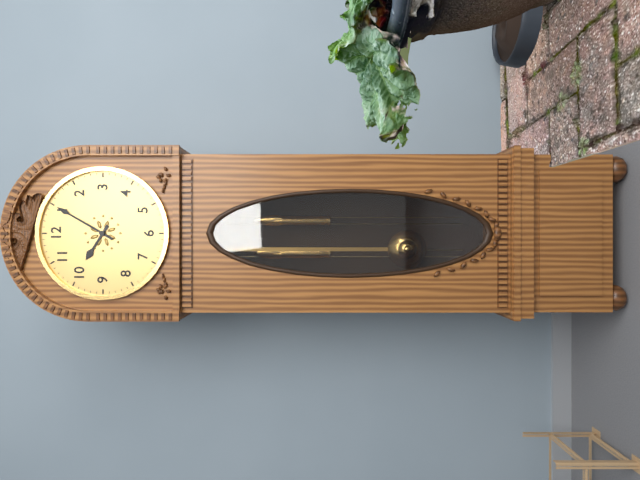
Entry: h=10 m=5
